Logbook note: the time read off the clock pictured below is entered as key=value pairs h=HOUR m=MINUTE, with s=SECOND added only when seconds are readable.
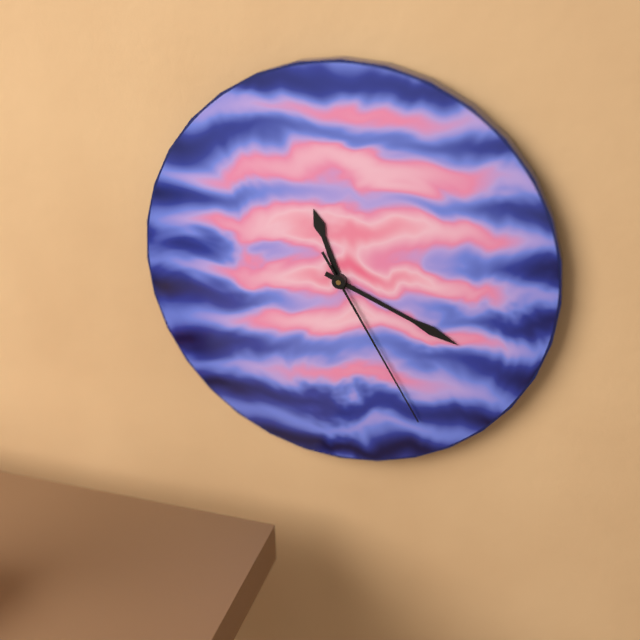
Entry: h=11 m=19 s=25
